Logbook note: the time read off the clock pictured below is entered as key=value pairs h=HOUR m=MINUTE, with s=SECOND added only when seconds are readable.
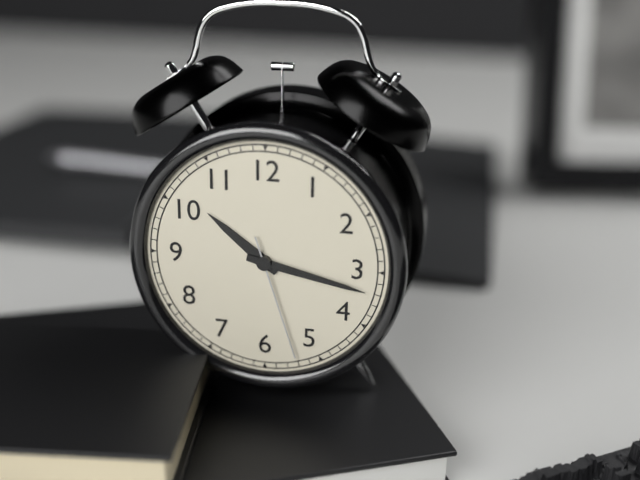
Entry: h=10 m=17 s=27
